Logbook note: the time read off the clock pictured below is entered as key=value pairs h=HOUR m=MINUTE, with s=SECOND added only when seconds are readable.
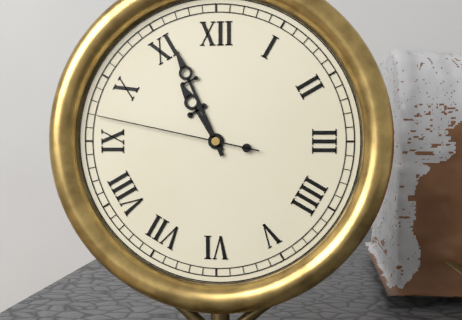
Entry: h=10 m=56 s=47
